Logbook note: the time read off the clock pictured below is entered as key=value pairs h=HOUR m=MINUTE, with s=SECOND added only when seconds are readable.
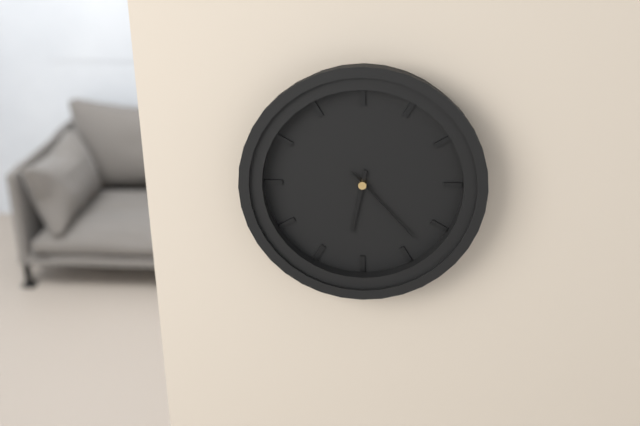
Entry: h=6 m=23
